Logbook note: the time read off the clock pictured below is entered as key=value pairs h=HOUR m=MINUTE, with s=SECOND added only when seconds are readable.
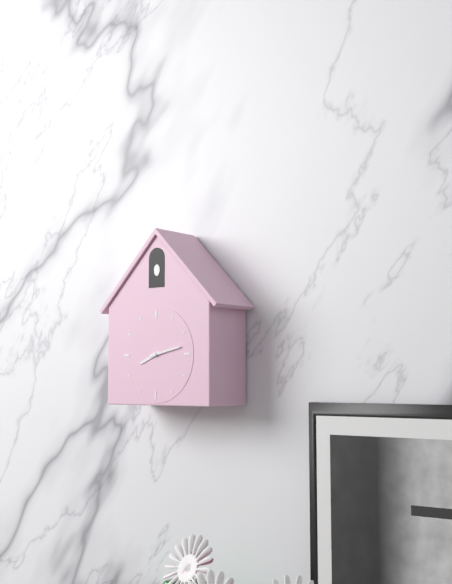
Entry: h=8 m=13
